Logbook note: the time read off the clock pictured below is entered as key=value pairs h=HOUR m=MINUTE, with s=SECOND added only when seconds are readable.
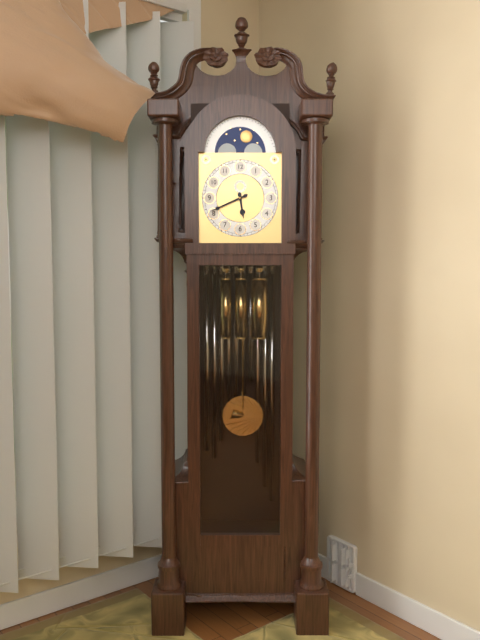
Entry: h=5 m=41
